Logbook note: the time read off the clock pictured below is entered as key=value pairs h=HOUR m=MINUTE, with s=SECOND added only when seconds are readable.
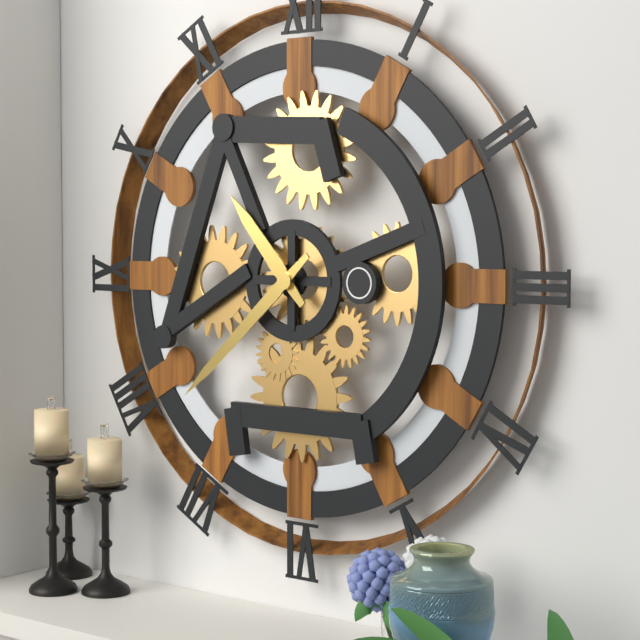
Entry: h=10 m=38
